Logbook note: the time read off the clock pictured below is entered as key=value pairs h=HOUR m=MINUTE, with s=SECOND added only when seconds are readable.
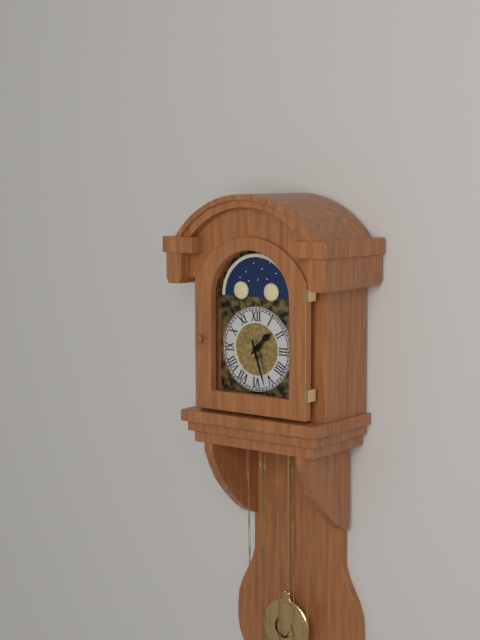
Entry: h=1 m=27
